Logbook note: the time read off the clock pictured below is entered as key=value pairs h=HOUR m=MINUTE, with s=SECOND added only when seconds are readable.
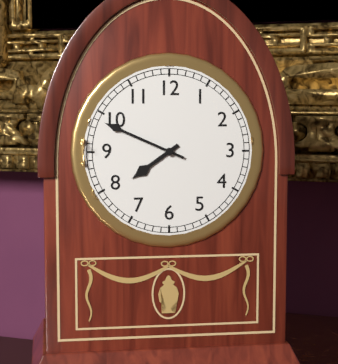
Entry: h=7 m=49
